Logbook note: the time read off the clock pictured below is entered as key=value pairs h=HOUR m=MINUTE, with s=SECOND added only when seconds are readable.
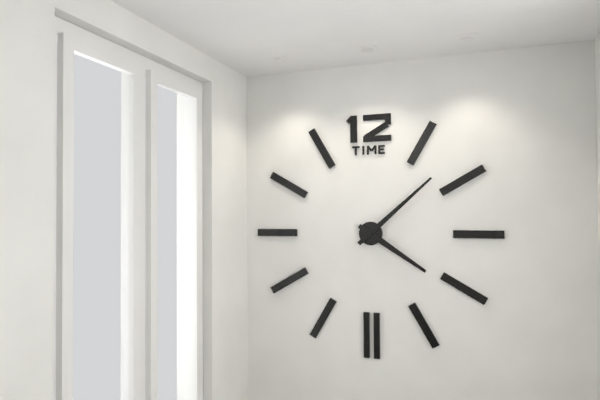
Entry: h=4 m=8
